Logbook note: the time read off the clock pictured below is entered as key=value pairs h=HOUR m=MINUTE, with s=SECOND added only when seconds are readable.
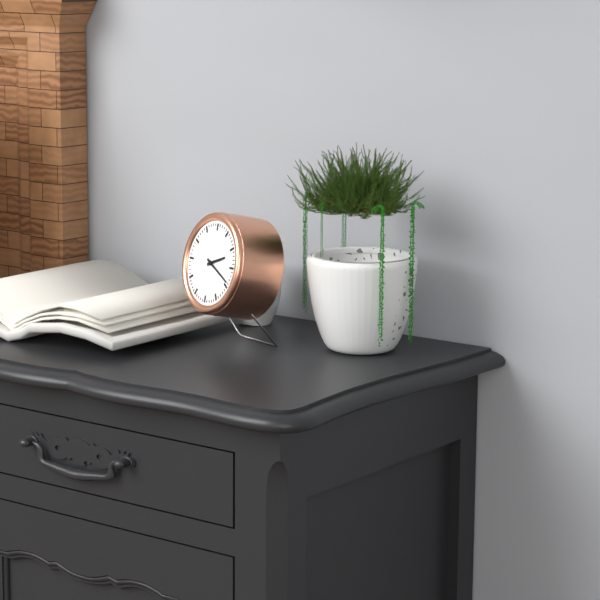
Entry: h=2 m=19
